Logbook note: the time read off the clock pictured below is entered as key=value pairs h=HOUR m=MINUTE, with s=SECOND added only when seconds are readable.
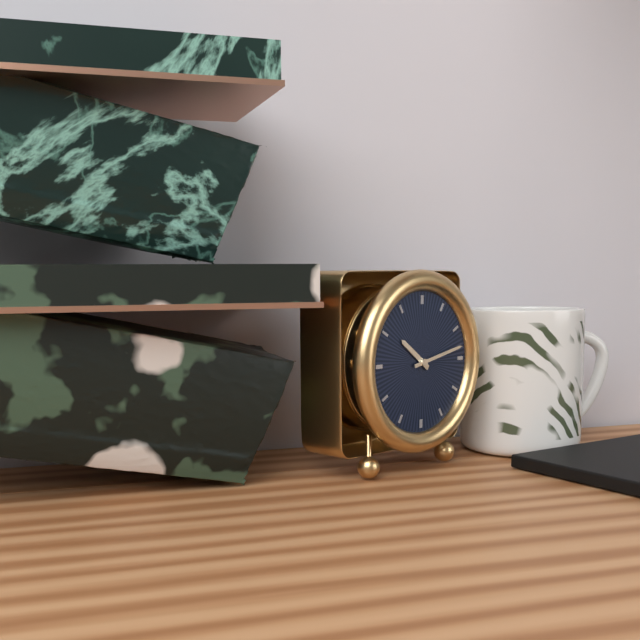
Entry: h=10 m=13
